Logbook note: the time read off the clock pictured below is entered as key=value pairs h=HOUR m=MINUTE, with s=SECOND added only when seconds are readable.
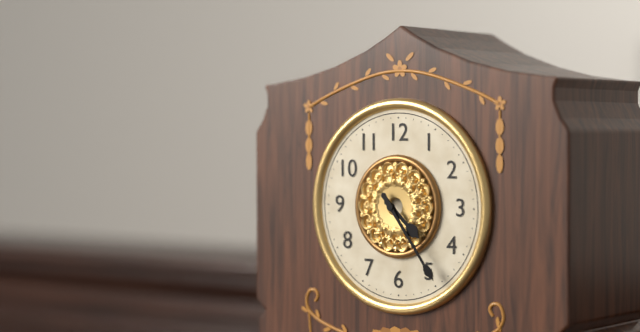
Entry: h=4 m=24
